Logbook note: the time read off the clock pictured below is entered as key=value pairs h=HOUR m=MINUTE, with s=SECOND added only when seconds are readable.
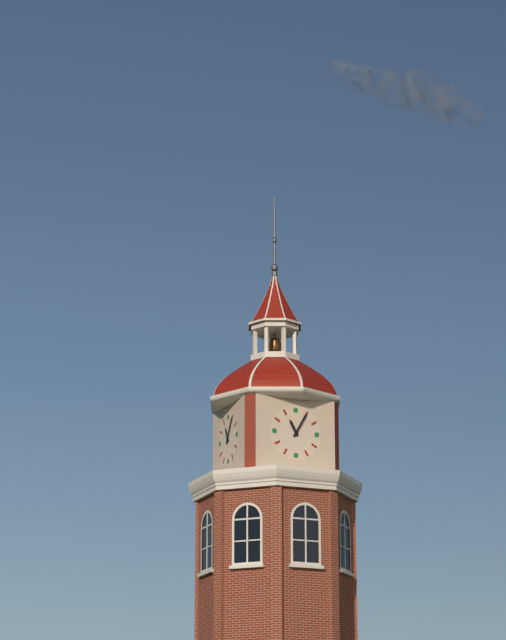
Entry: h=11 m=5
